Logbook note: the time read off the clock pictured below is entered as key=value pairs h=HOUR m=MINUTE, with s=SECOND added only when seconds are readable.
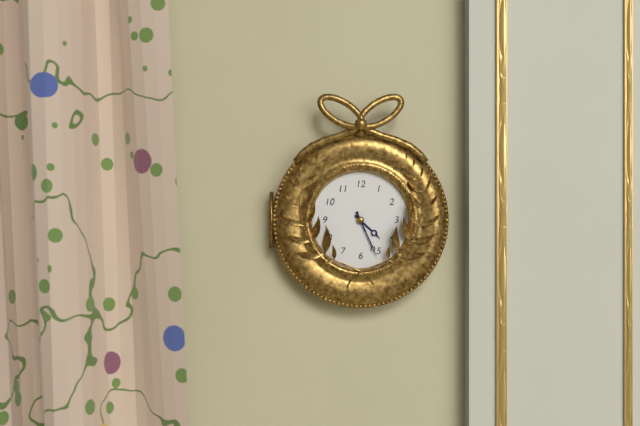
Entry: h=4 m=26
